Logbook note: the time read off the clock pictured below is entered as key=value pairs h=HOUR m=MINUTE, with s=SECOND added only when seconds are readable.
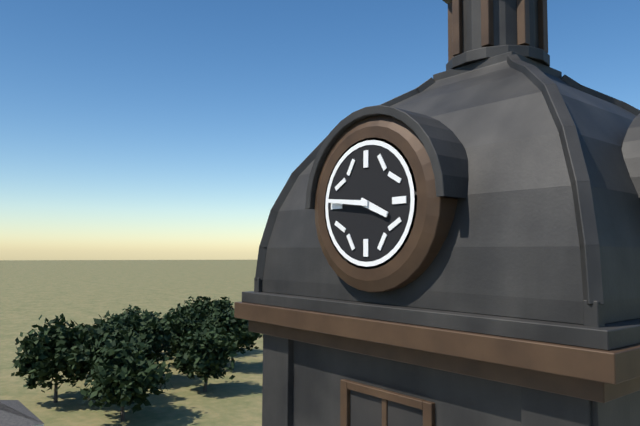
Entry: h=3 m=46
